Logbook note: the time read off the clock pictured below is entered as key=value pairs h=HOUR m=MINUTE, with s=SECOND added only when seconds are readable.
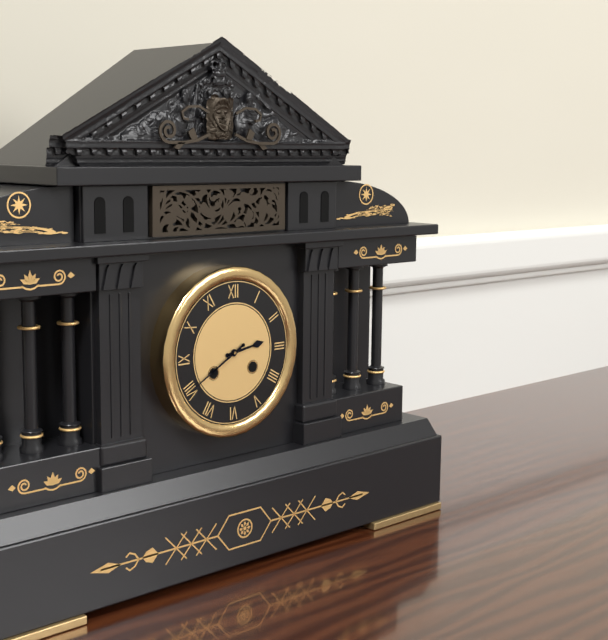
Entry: h=2 m=40
